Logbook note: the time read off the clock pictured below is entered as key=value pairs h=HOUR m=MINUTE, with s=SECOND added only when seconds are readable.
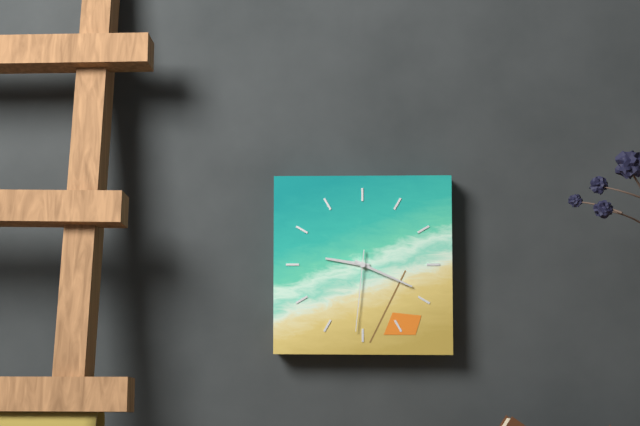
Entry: h=9 m=19 s=31
